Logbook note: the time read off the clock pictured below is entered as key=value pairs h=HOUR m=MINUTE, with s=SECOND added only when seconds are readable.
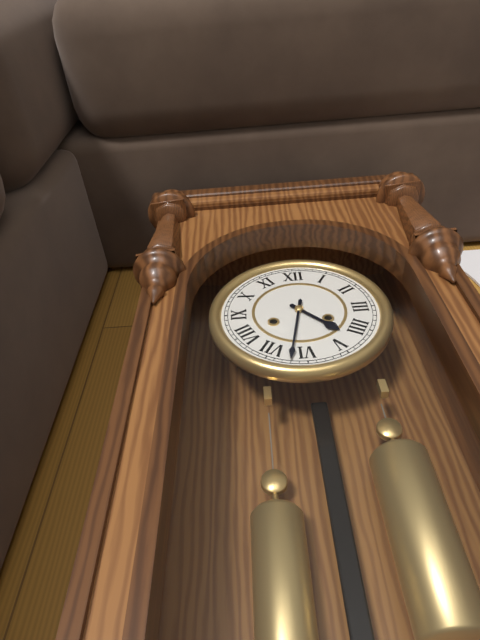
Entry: h=4 m=32
